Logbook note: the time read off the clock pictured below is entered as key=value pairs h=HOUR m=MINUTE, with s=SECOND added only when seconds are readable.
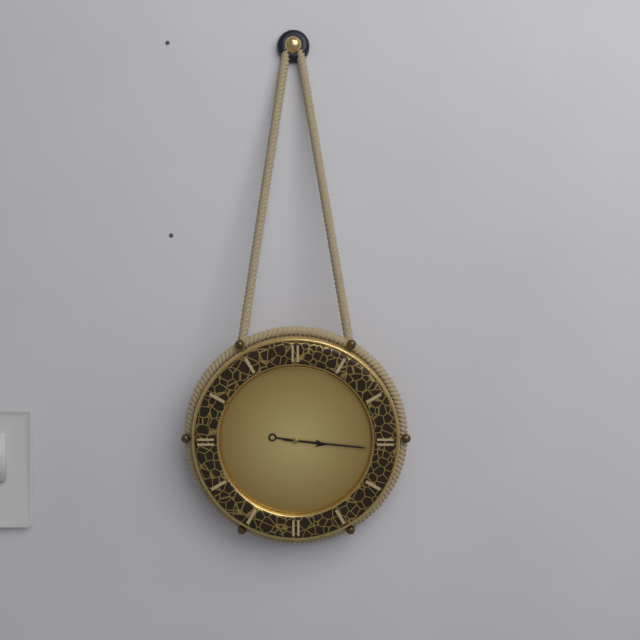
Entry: h=3 m=16
